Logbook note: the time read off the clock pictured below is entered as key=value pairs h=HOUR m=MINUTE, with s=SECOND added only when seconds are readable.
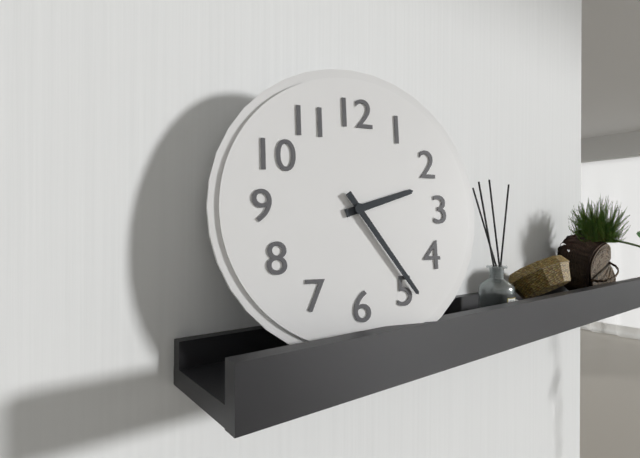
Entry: h=2 m=24
